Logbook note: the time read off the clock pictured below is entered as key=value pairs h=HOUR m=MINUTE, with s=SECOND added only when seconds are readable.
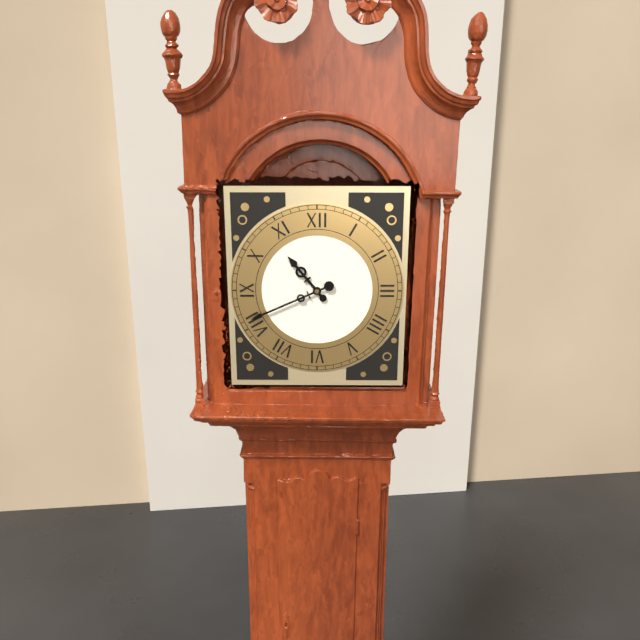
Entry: h=10 m=41
